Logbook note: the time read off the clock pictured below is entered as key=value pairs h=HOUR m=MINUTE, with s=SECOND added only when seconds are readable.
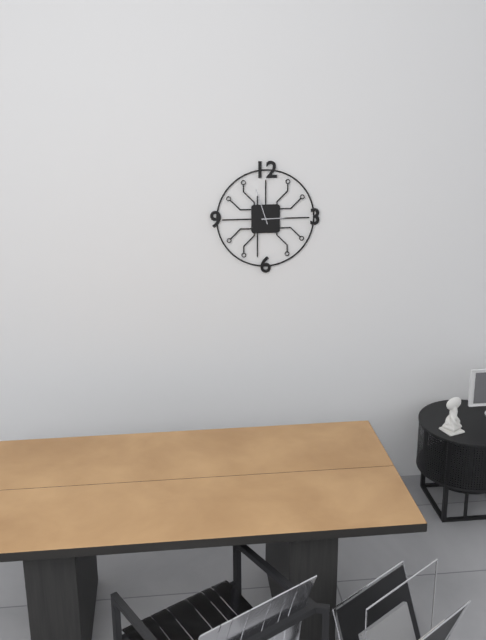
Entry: h=2 m=57
